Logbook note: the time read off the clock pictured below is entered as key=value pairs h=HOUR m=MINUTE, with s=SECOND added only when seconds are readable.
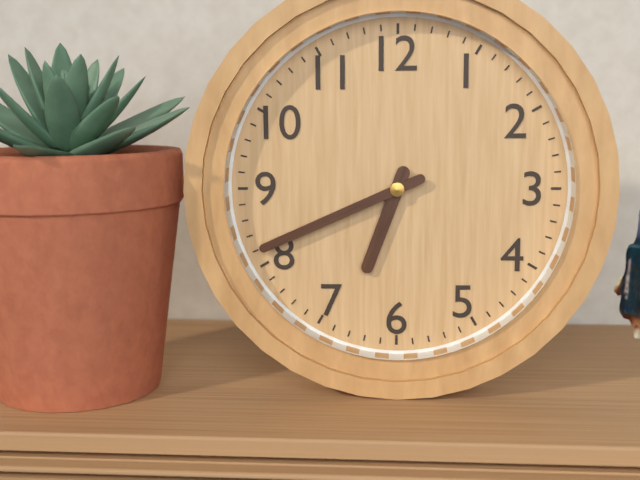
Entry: h=6 m=41
